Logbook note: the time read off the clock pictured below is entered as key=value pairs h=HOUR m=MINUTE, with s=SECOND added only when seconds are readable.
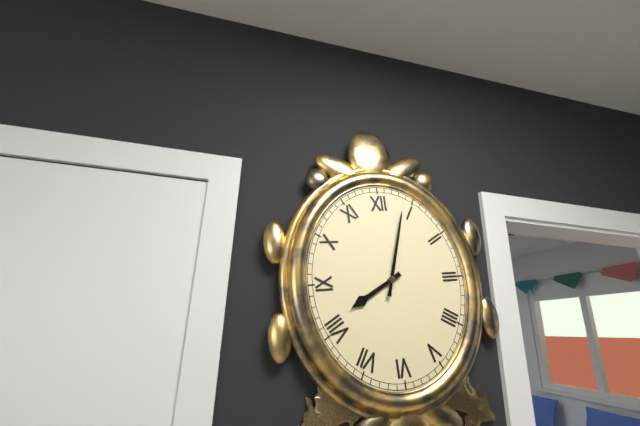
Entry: h=8 m=3
